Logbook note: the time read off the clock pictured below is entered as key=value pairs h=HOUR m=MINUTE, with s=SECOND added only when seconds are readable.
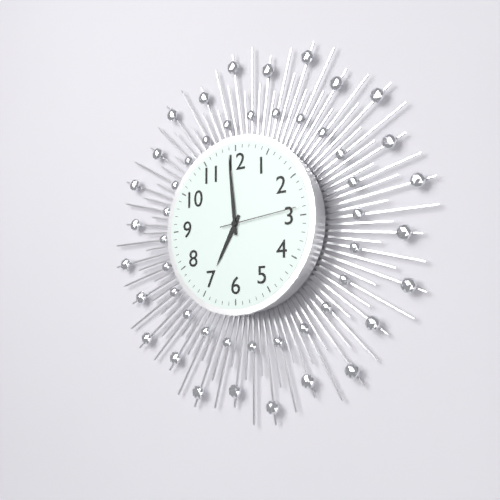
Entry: h=6 m=59 s=14
